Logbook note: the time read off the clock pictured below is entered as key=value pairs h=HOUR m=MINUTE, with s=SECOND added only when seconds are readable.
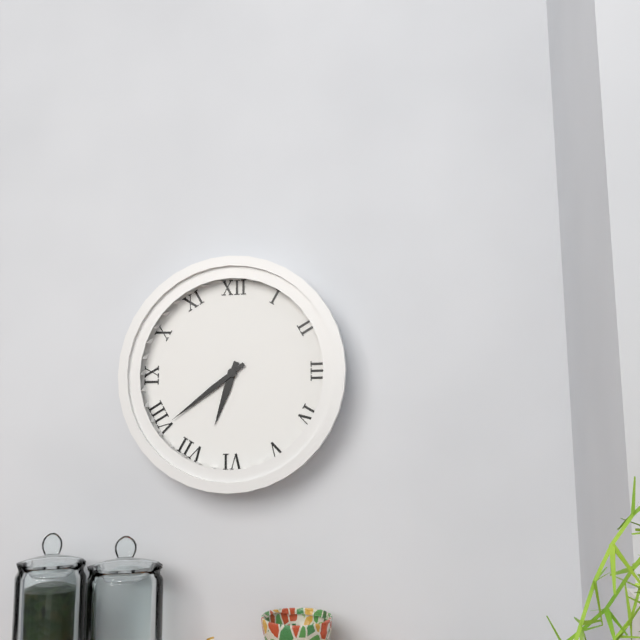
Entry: h=6 m=39
